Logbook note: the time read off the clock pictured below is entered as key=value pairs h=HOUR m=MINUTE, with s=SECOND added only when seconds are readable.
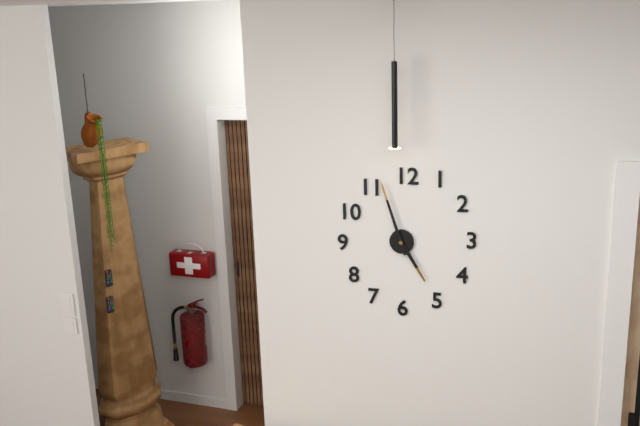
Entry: h=4 m=57
